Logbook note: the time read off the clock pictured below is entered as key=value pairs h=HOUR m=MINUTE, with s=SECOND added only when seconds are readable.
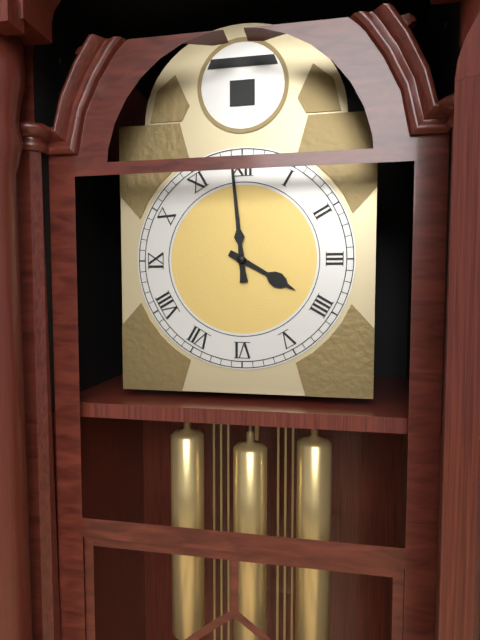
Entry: h=3 m=59
